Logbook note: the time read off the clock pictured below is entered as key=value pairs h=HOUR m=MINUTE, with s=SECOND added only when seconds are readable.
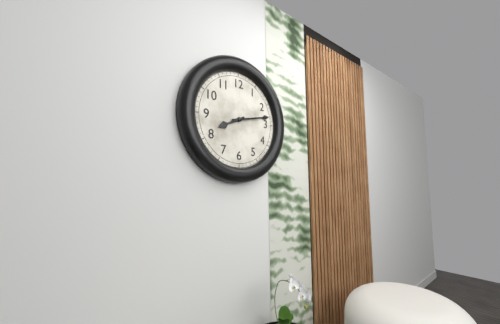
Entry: h=8 m=13
